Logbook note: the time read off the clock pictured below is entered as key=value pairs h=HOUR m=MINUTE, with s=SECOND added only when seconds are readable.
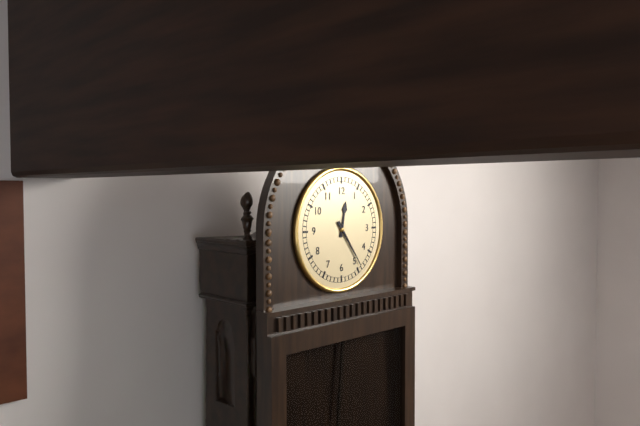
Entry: h=12 m=24
